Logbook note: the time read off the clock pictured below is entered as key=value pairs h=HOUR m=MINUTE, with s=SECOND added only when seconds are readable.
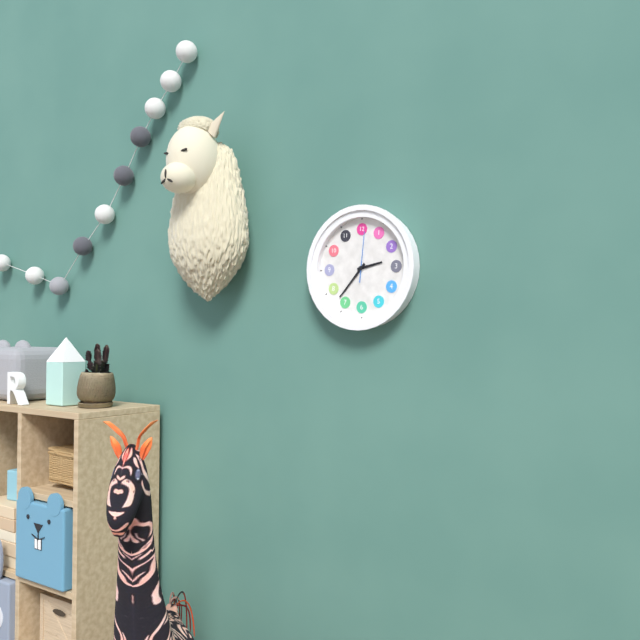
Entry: h=2 m=37
